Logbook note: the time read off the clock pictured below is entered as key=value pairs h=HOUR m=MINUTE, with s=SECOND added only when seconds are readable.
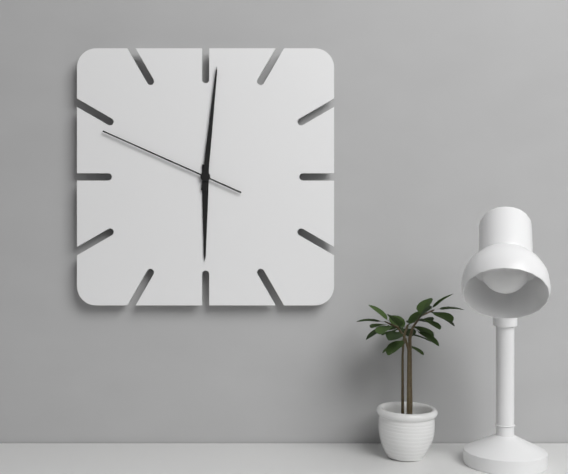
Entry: h=6 m=1 s=49
